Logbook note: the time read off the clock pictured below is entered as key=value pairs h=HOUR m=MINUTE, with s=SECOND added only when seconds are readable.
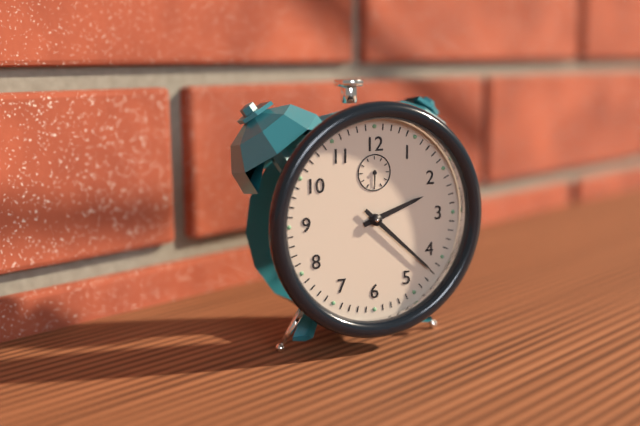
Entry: h=2 m=22
